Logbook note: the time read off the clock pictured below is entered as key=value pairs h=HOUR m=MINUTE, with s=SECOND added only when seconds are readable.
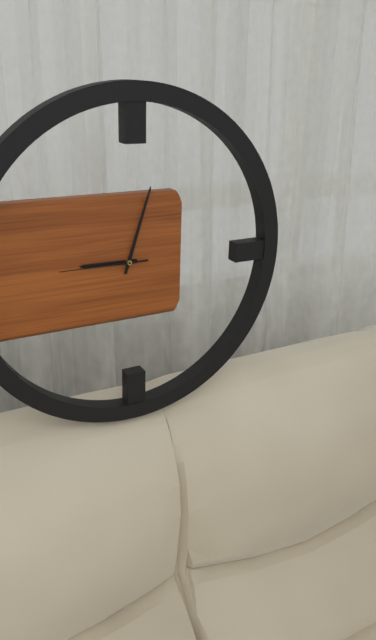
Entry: h=9 m=3 s=45
